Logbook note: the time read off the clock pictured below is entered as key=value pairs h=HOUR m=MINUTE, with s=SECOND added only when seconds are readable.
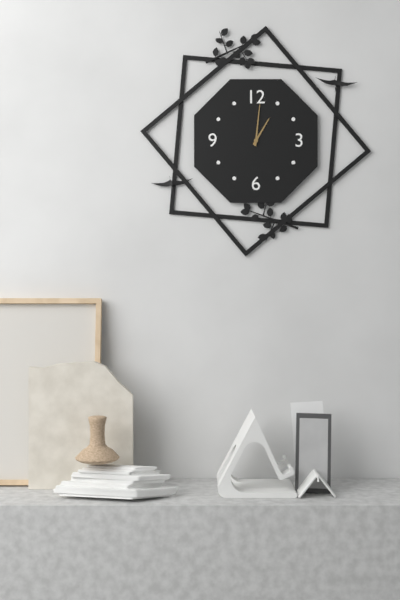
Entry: h=1 m=1
